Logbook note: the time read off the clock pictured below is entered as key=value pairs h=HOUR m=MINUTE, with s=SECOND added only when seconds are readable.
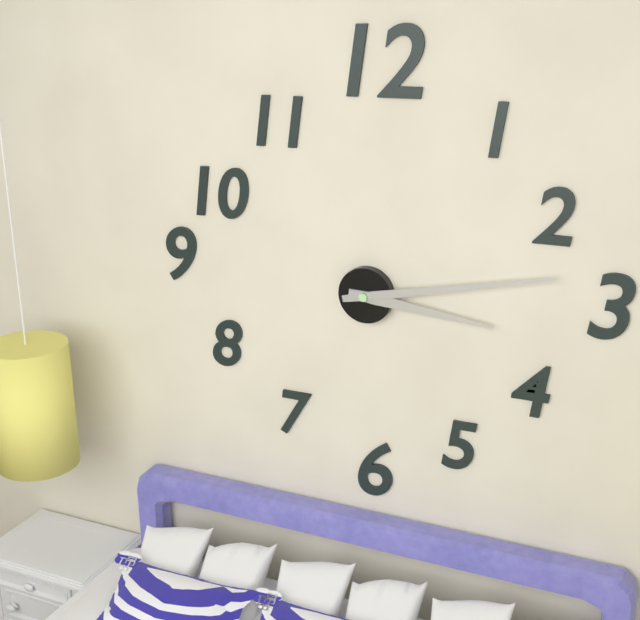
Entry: h=3 m=13
